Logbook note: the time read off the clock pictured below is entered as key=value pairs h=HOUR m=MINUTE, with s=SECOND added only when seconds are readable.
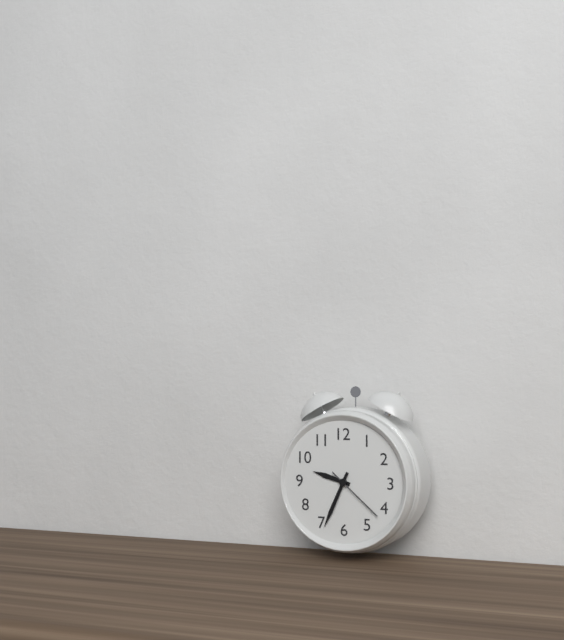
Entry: h=9 m=34 s=22
